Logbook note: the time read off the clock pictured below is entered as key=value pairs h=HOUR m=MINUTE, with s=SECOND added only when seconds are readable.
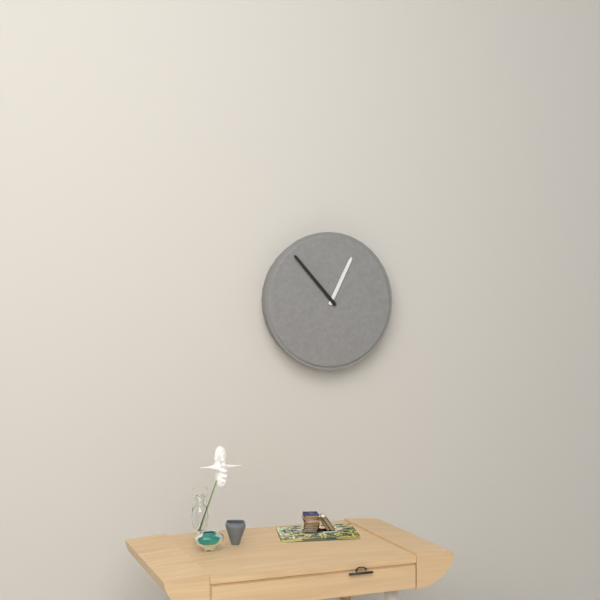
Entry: h=12 m=53
